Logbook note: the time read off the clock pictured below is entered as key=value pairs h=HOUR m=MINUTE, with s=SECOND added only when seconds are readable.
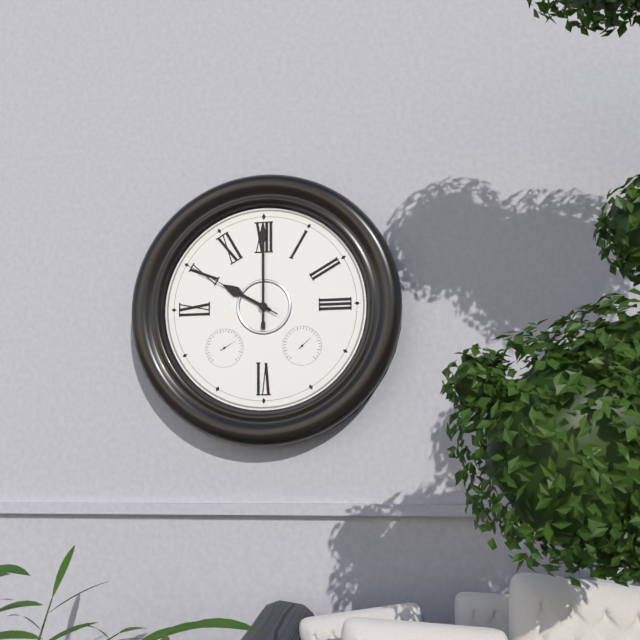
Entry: h=10 m=0 s=50
